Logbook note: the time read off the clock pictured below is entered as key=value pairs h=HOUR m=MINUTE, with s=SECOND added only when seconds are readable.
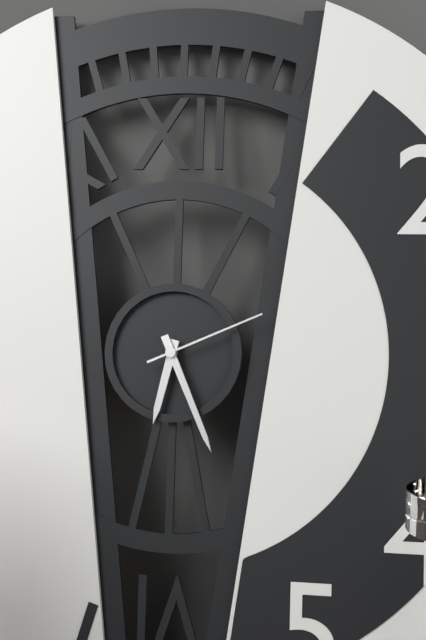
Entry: h=6 m=26 s=11
